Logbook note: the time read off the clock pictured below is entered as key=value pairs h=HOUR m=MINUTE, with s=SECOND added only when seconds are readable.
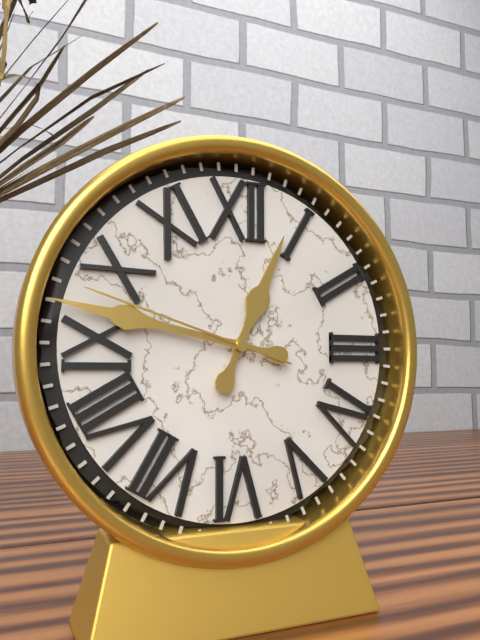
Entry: h=12 m=47 s=48
